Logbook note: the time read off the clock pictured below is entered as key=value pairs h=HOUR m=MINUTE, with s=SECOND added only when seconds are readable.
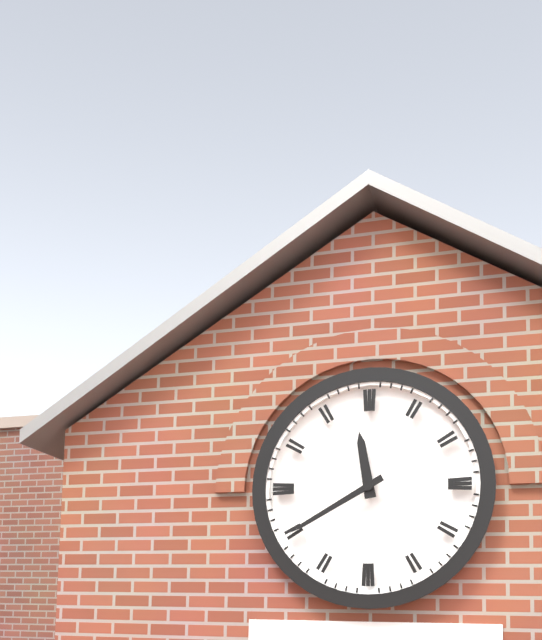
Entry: h=11 m=40
